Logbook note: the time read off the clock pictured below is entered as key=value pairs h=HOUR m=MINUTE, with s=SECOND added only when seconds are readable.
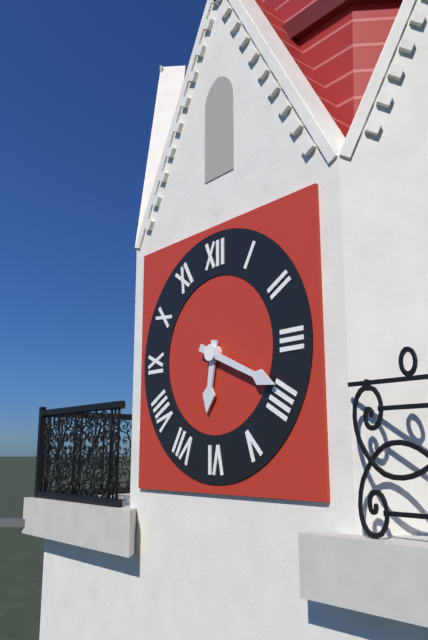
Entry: h=6 m=19
